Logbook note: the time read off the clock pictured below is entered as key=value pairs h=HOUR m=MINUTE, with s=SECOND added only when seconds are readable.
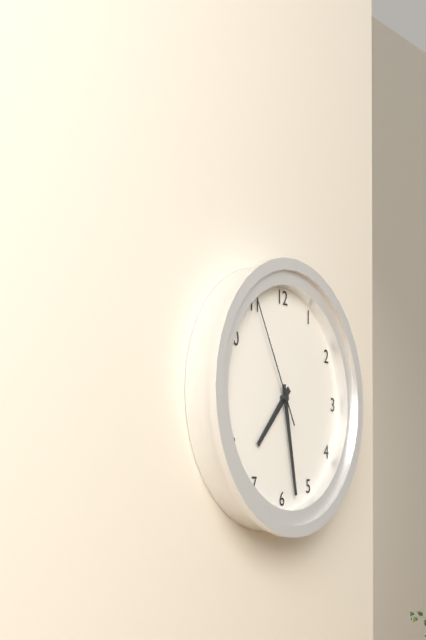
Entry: h=7 m=28 s=55
